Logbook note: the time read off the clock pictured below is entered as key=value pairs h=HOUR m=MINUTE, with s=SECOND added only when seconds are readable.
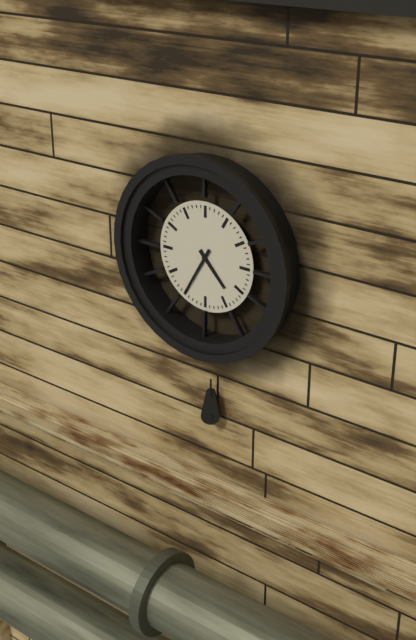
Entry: h=4 m=35
